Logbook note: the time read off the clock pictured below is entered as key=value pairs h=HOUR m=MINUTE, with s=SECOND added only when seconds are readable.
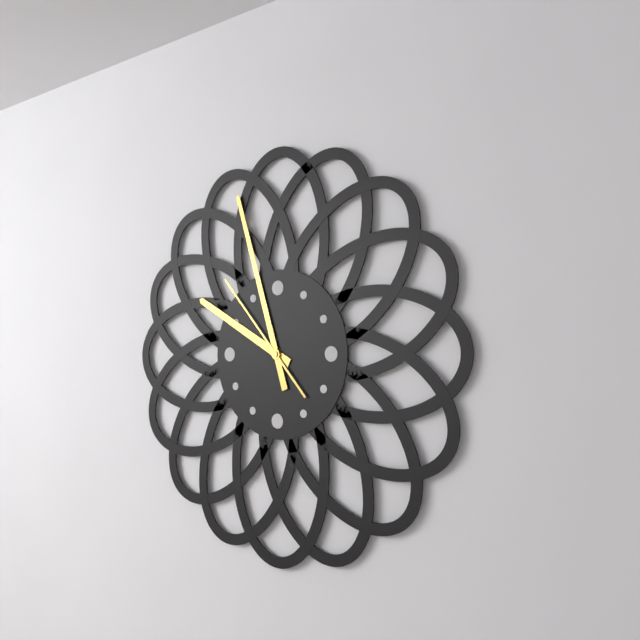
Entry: h=9 m=57 s=53
